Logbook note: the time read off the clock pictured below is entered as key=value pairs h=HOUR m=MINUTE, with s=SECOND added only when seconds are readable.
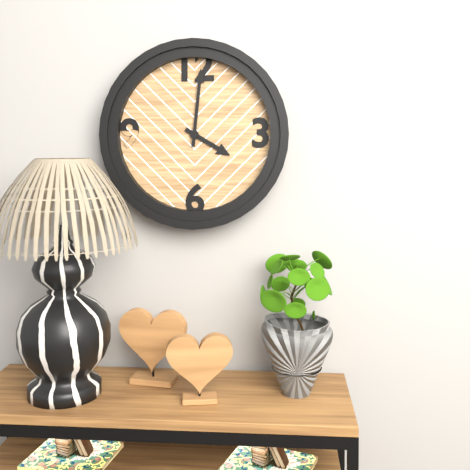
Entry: h=4 m=1
